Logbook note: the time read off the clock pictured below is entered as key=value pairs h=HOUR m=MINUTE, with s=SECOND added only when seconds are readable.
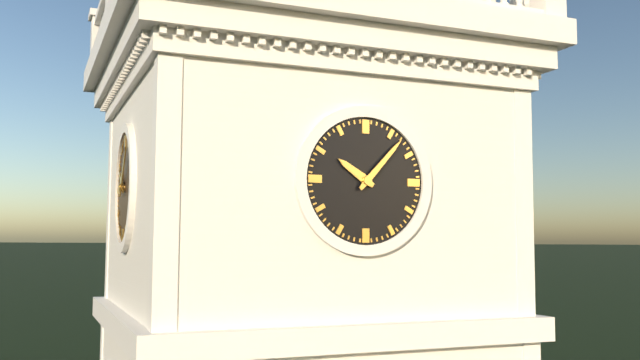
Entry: h=10 m=7
